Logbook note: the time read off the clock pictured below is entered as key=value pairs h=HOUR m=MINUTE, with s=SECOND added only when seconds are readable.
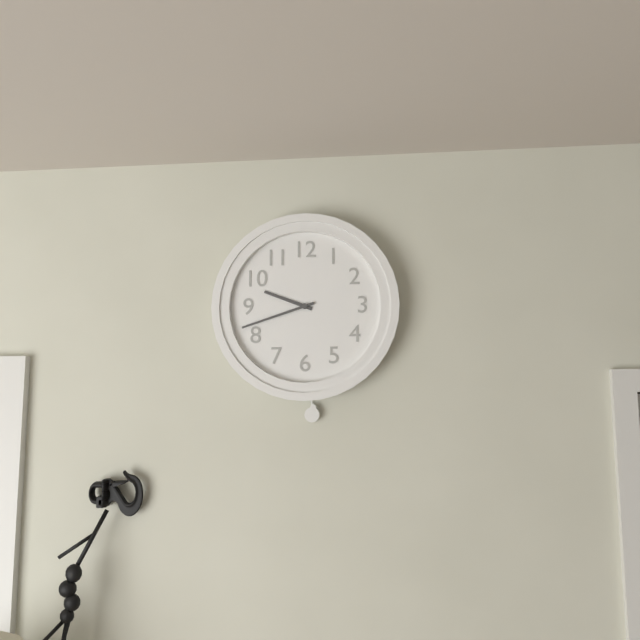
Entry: h=9 m=42
